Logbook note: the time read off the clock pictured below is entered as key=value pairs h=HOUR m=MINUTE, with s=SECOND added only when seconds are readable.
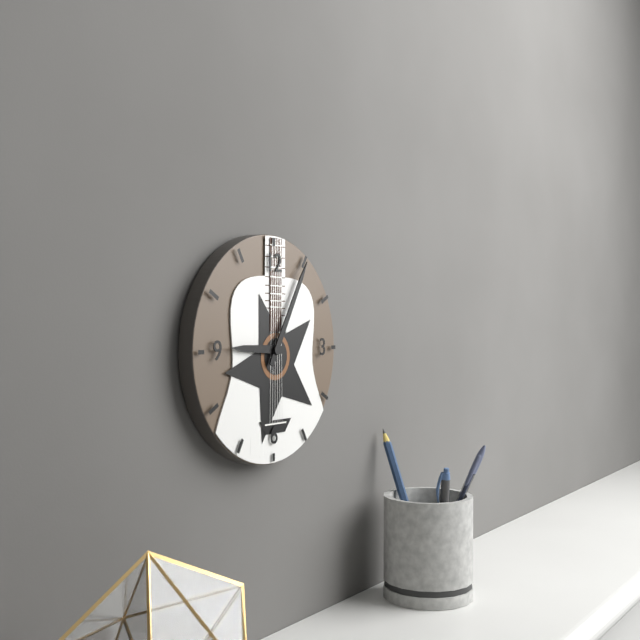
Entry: h=9 m=5
